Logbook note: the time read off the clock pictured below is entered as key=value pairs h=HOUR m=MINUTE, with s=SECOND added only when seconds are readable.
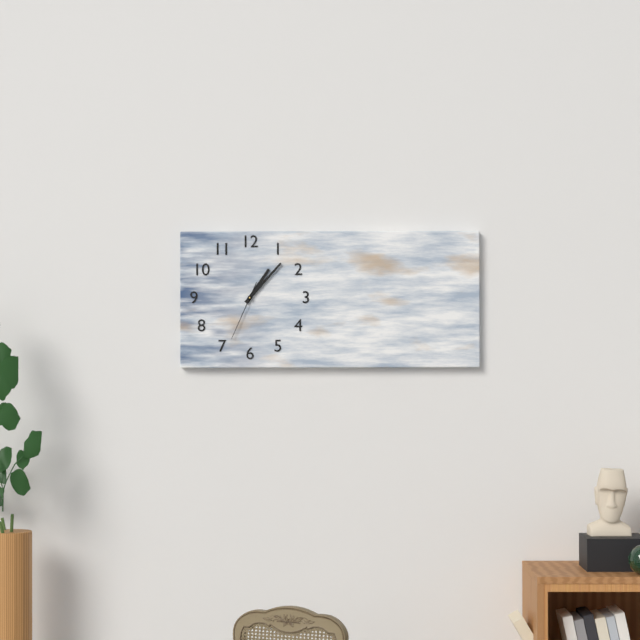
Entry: h=1 m=7 s=34
